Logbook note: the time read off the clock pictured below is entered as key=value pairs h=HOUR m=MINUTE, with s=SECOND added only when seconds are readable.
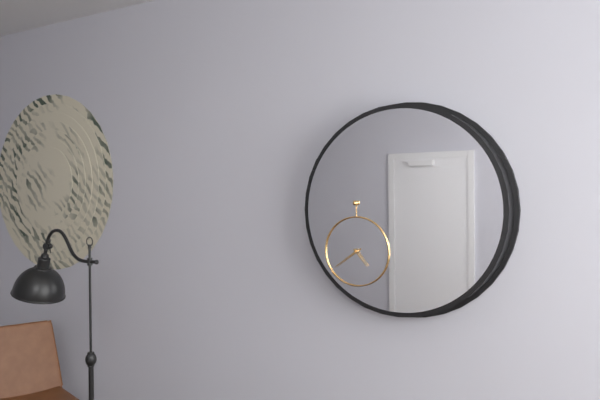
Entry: h=4 m=39
